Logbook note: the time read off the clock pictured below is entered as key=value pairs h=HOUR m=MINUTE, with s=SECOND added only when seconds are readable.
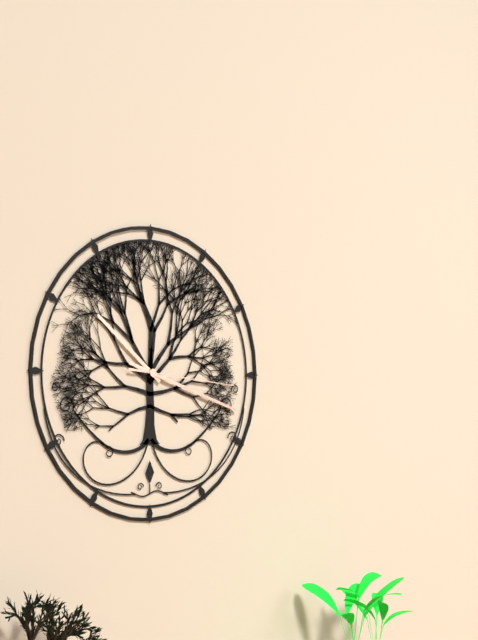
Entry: h=10 m=18 s=16
